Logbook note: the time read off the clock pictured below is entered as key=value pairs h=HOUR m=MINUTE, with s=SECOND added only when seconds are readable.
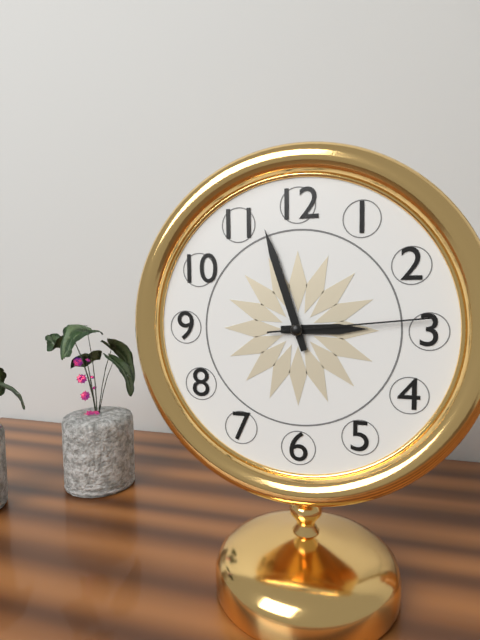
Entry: h=2 m=57 s=14
